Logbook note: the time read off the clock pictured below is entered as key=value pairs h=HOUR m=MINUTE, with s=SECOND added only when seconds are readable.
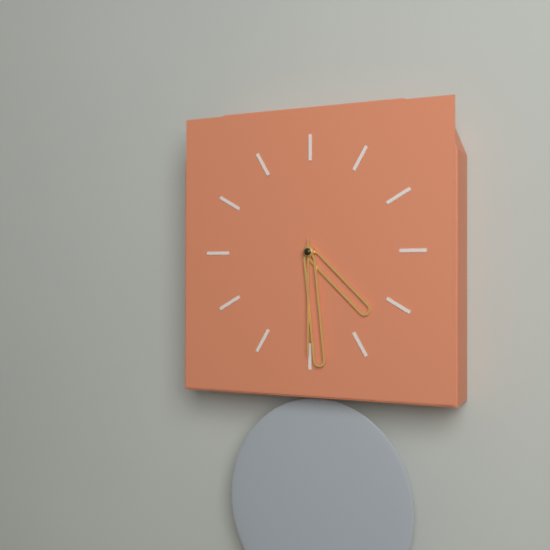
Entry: h=4 m=29 s=30
